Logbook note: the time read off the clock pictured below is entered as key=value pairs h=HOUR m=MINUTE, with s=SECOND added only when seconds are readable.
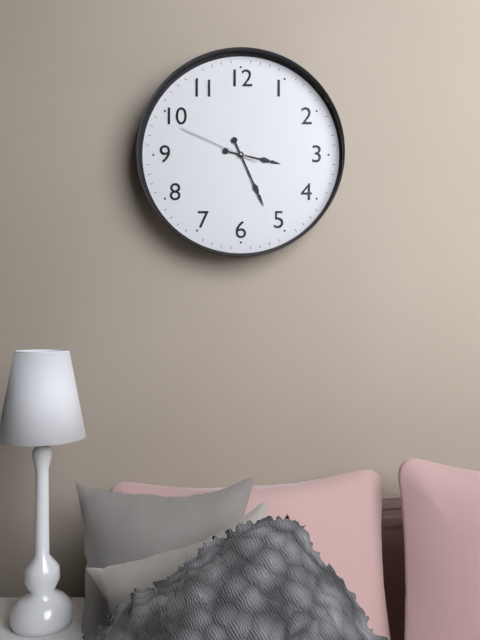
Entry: h=3 m=26 s=49
